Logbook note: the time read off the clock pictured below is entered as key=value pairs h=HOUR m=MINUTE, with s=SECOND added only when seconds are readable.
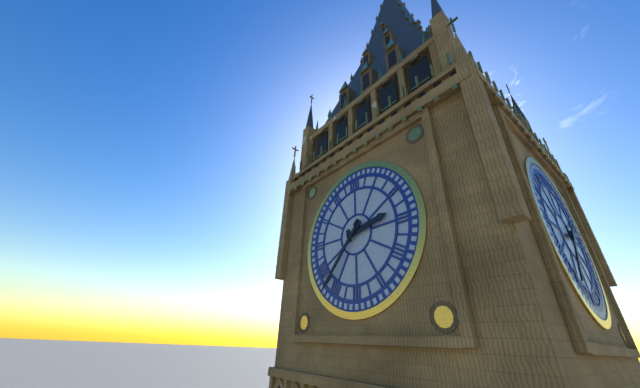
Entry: h=2 m=37
